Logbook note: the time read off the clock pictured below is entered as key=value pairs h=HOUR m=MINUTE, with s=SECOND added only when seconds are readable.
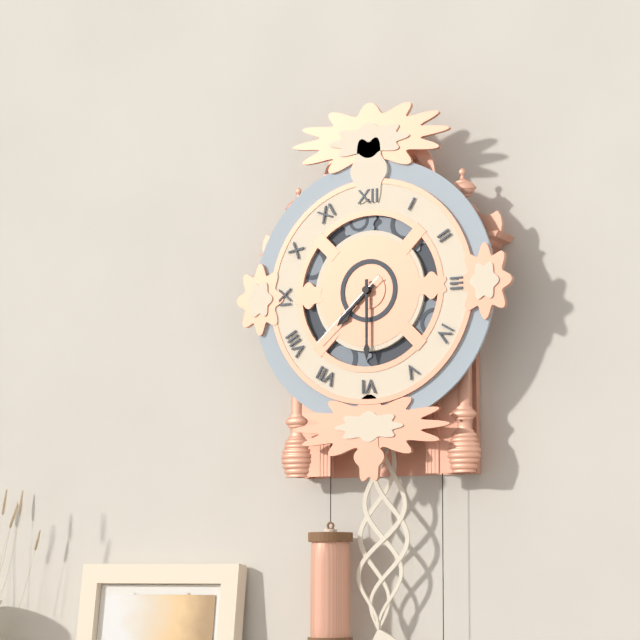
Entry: h=7 m=30 s=38
